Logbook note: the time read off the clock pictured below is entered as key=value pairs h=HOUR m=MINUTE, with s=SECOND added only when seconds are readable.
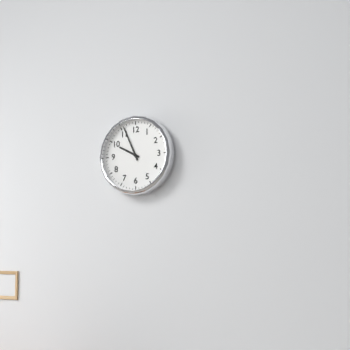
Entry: h=9 m=56
